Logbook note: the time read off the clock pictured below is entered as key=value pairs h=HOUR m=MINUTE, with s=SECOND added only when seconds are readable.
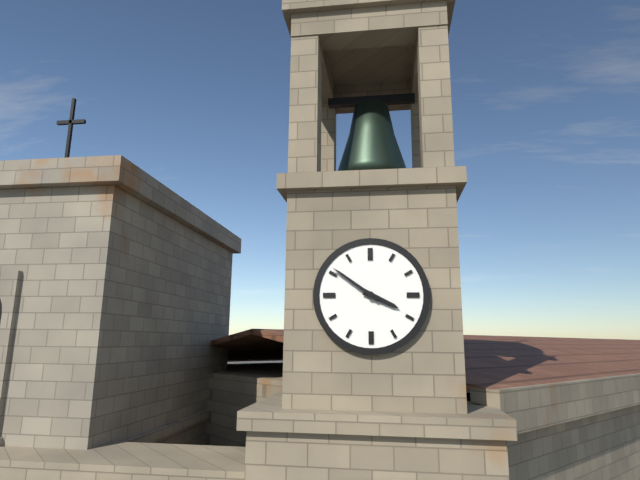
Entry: h=3 m=51
